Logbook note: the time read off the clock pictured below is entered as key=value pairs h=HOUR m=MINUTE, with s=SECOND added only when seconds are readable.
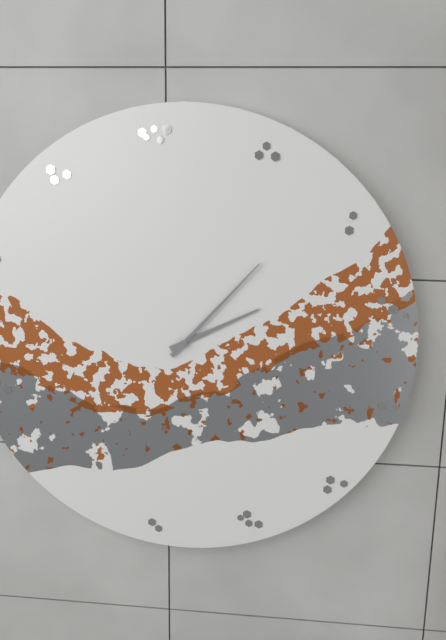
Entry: h=2 m=7
